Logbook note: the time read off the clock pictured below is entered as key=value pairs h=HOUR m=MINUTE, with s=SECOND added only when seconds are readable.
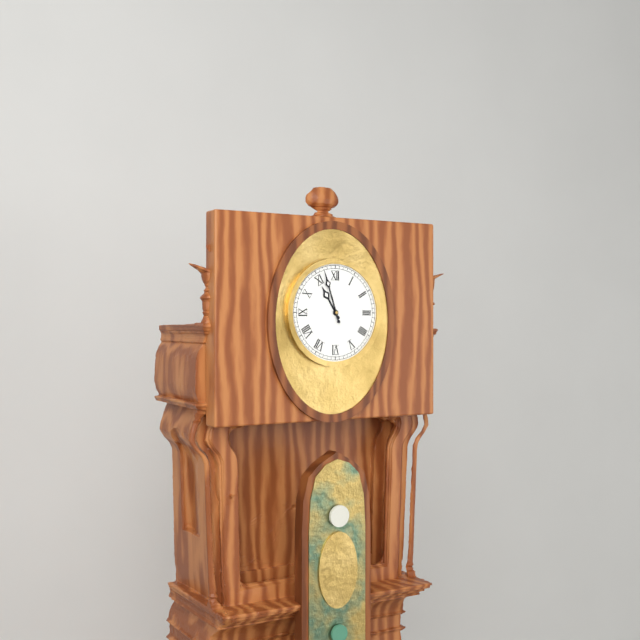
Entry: h=10 m=57
